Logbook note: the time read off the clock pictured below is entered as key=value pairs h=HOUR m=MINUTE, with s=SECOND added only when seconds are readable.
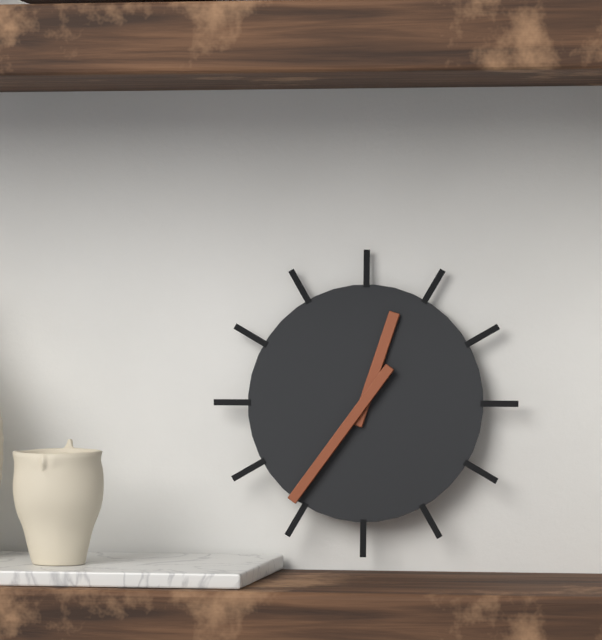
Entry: h=12 m=36
